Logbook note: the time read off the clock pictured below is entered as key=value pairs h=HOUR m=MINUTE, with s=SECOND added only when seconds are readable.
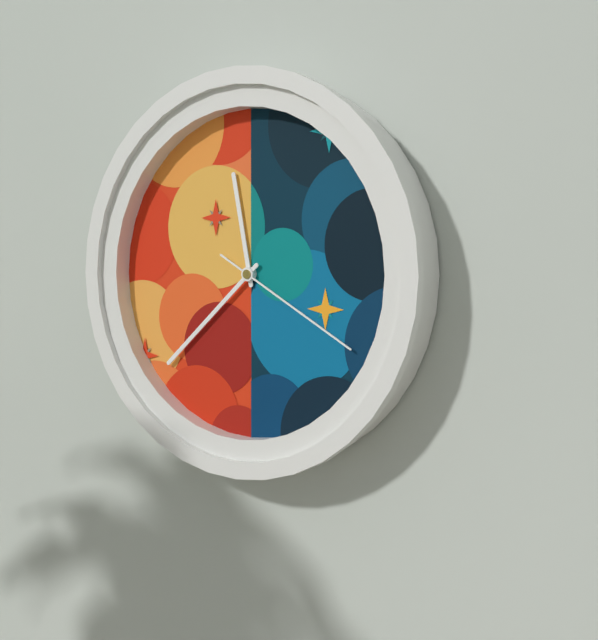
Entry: h=11 m=38 s=20
